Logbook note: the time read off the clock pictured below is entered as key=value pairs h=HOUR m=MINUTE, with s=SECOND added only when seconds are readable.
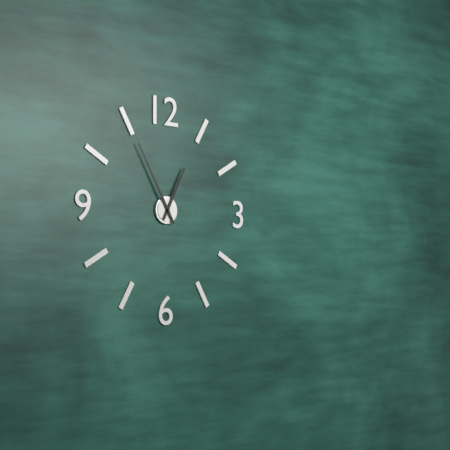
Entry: h=12 m=55
